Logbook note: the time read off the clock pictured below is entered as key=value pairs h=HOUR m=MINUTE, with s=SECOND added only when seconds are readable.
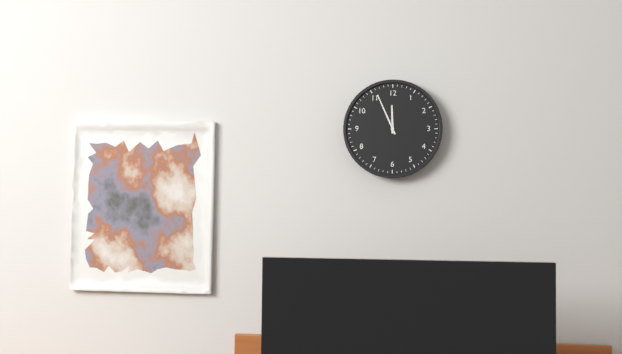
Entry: h=11 m=56
